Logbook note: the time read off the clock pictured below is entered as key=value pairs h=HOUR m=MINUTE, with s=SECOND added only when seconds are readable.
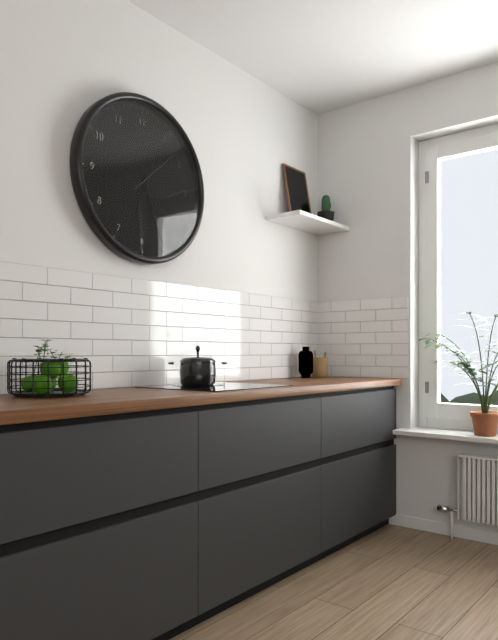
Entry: h=6 m=26 s=8
